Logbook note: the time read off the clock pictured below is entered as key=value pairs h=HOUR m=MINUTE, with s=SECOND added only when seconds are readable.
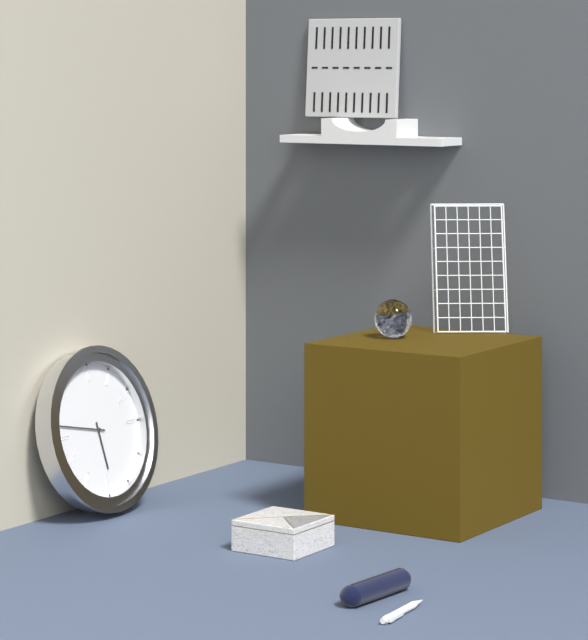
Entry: h=5 m=47
